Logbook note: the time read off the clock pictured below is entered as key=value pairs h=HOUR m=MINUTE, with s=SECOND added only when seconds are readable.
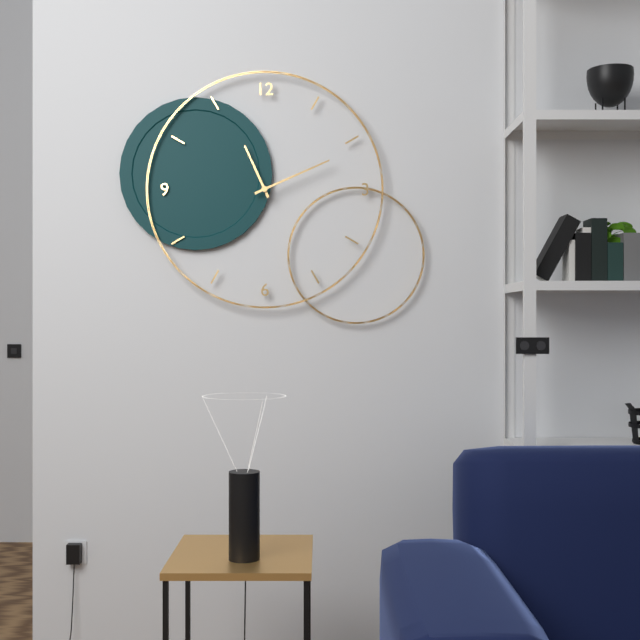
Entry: h=11 m=11
